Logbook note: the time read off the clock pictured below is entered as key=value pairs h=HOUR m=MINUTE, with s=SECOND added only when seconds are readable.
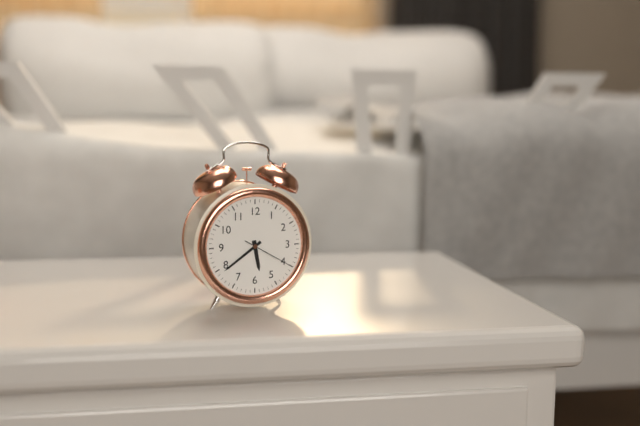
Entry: h=5 m=39 s=20
